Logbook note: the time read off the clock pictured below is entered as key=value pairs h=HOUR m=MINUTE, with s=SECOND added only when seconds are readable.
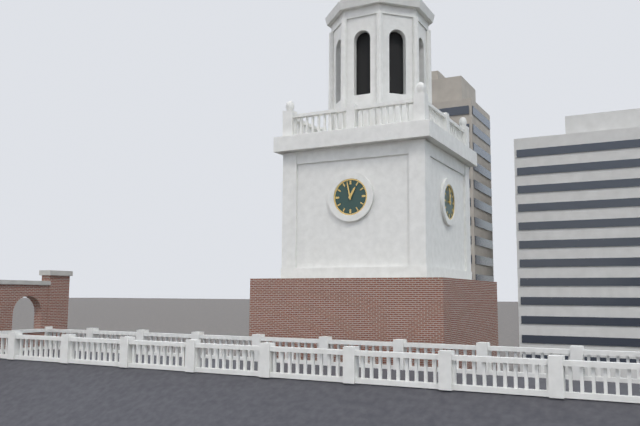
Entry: h=12 m=58
